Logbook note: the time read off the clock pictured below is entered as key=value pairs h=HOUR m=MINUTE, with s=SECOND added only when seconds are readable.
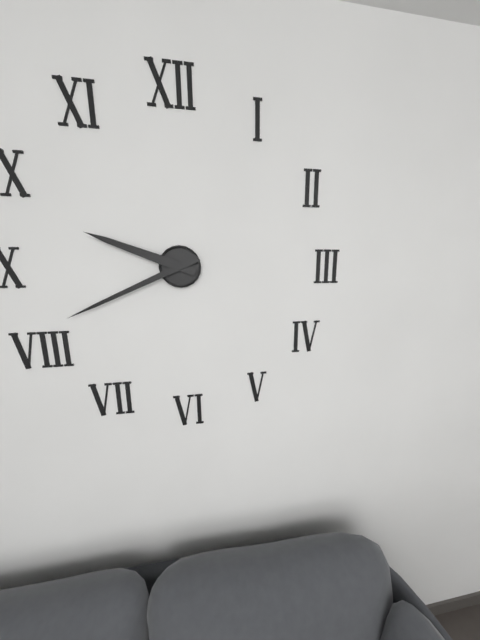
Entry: h=9 m=41
